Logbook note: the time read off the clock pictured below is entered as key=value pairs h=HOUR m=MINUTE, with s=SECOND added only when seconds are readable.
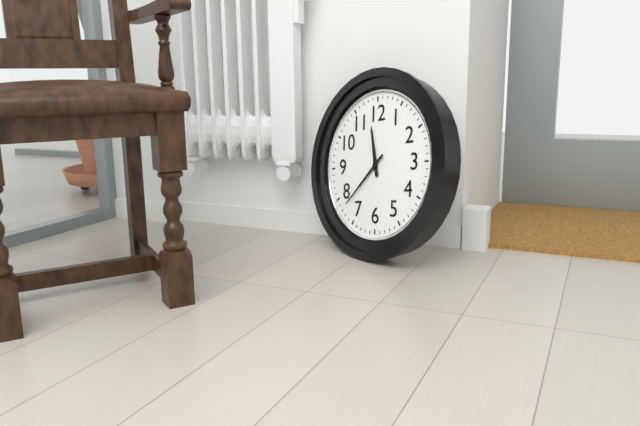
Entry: h=11 m=38
